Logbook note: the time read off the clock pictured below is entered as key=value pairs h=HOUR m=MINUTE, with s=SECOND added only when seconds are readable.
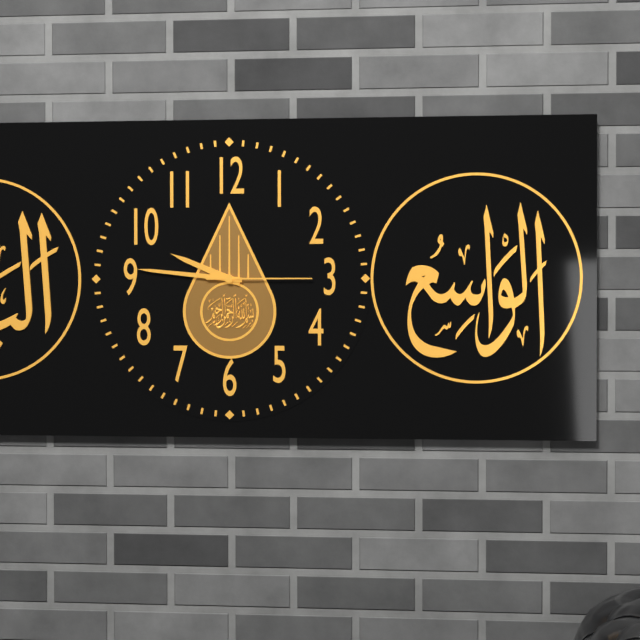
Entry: h=9 m=46 s=15
